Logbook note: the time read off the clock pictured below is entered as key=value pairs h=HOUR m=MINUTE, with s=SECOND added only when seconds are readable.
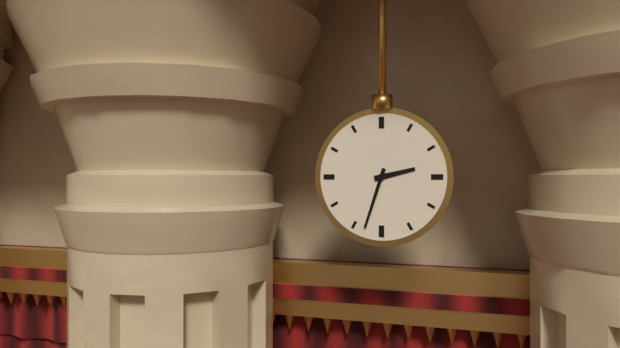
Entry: h=2 m=33
